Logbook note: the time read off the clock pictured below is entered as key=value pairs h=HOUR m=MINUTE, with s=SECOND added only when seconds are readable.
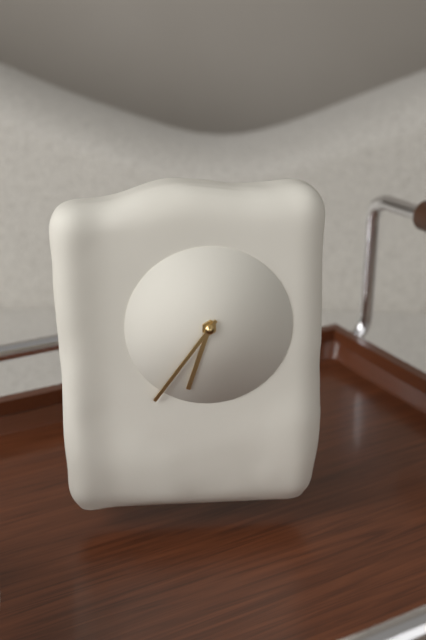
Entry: h=6 m=36
